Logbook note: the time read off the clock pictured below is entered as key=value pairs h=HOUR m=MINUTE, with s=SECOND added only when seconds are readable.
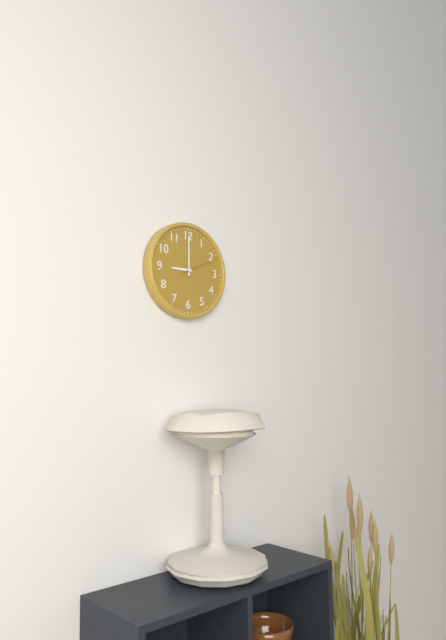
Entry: h=9 m=0
